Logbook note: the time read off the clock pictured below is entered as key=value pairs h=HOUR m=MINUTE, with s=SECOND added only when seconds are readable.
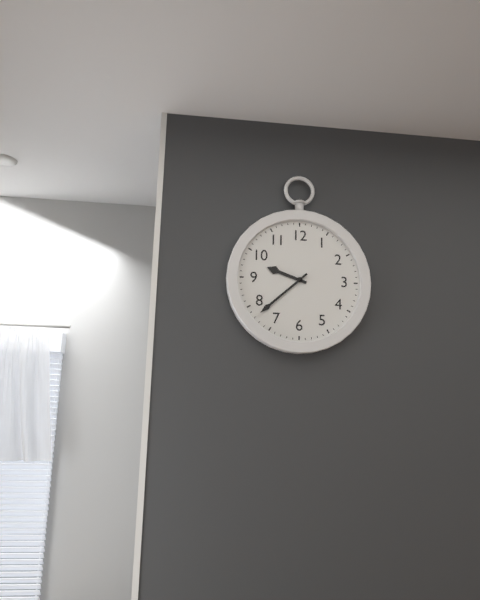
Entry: h=9 m=38
